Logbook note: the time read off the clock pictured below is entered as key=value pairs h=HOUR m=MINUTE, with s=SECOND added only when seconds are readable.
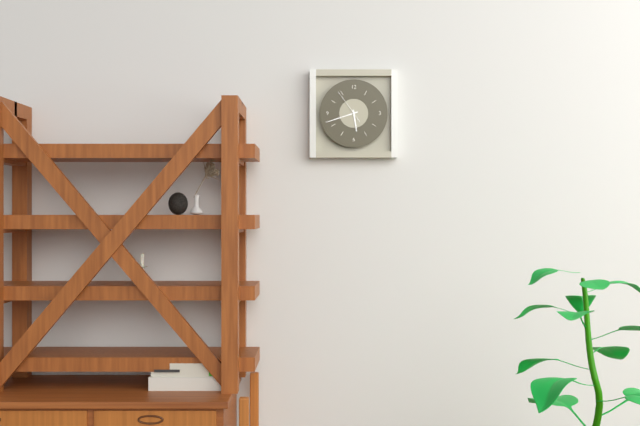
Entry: h=5 m=42
